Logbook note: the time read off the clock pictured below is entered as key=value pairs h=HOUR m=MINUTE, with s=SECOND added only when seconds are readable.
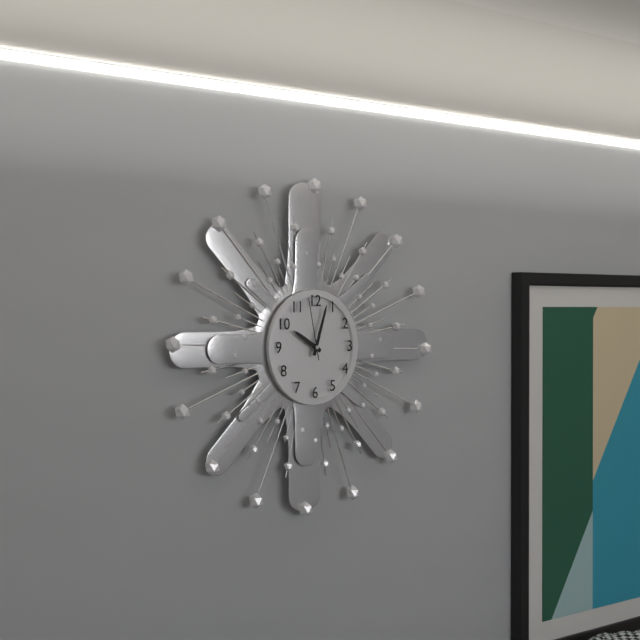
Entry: h=10 m=3 s=58
